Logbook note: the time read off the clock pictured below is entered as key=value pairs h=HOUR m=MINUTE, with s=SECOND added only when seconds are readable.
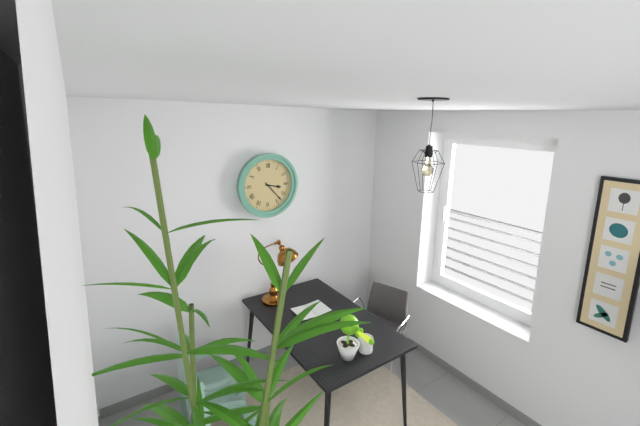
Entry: h=3 m=23
